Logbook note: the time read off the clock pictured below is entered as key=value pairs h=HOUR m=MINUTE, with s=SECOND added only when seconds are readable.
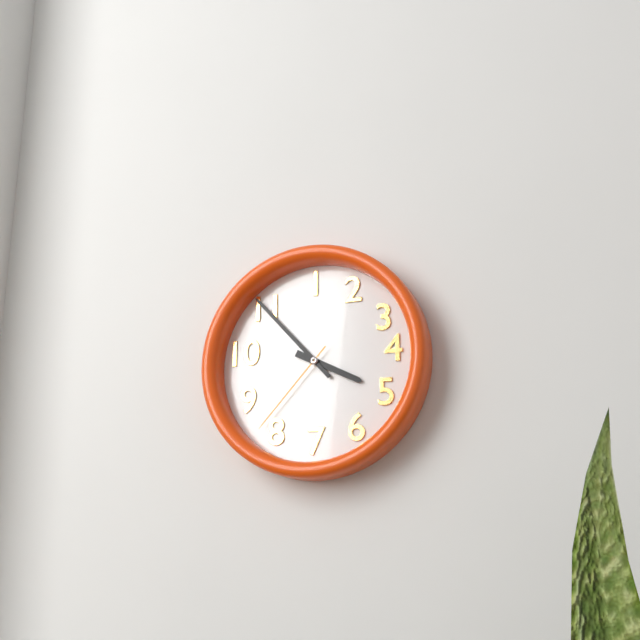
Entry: h=3 m=53 s=37
